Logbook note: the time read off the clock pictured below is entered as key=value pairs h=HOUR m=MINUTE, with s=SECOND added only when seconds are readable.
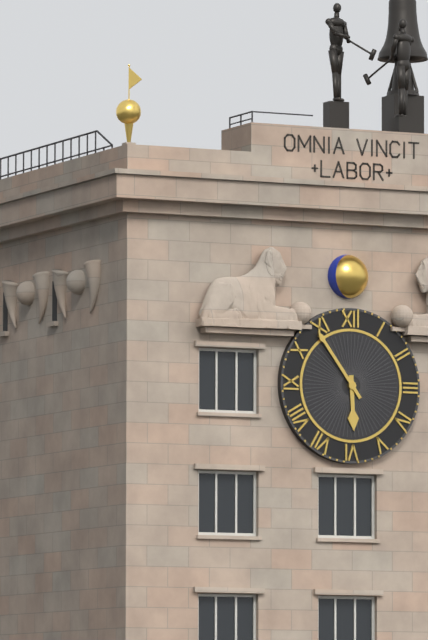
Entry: h=5 m=54
